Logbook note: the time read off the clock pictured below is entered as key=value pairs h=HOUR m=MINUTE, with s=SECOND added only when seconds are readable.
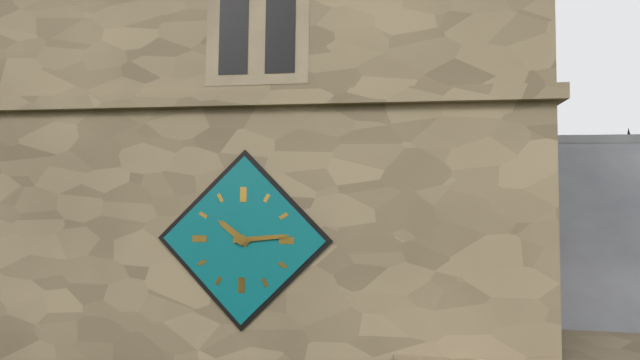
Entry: h=10 m=14
